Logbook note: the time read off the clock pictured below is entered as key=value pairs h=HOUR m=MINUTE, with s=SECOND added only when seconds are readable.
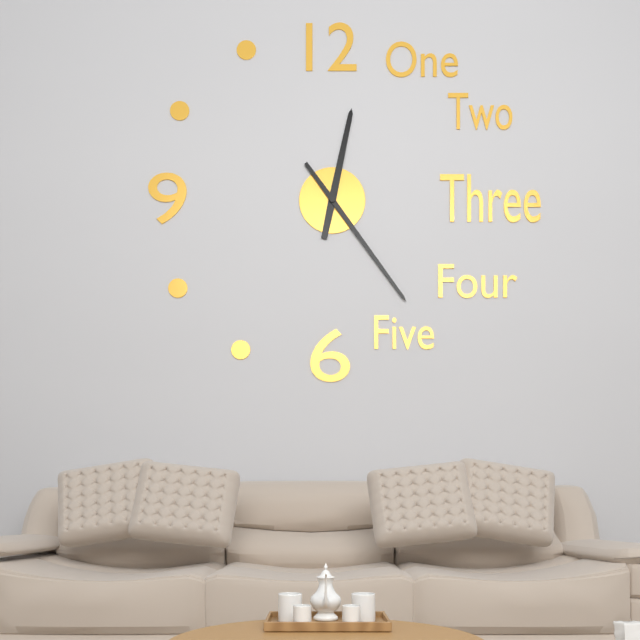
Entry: h=12 m=24
